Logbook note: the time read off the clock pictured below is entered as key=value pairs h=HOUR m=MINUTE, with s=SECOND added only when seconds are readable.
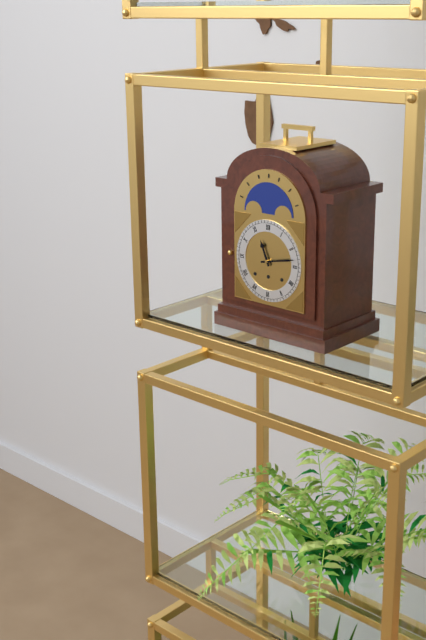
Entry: h=11 m=13
